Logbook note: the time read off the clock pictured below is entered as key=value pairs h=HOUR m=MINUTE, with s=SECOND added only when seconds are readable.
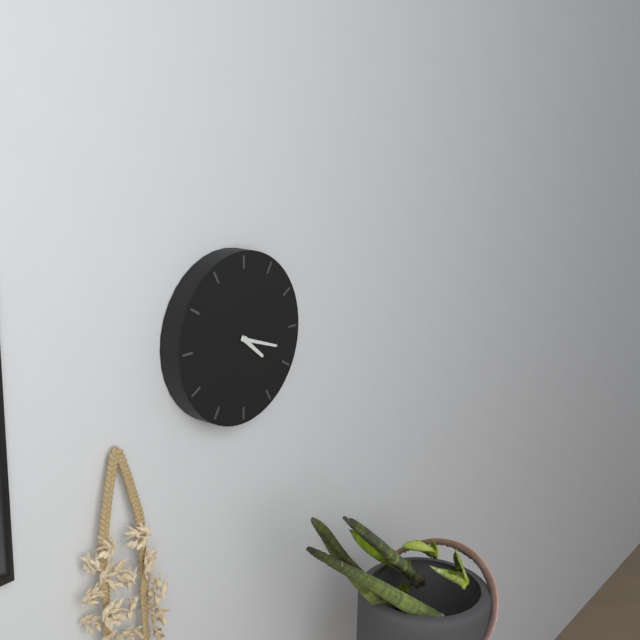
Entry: h=4 m=18
